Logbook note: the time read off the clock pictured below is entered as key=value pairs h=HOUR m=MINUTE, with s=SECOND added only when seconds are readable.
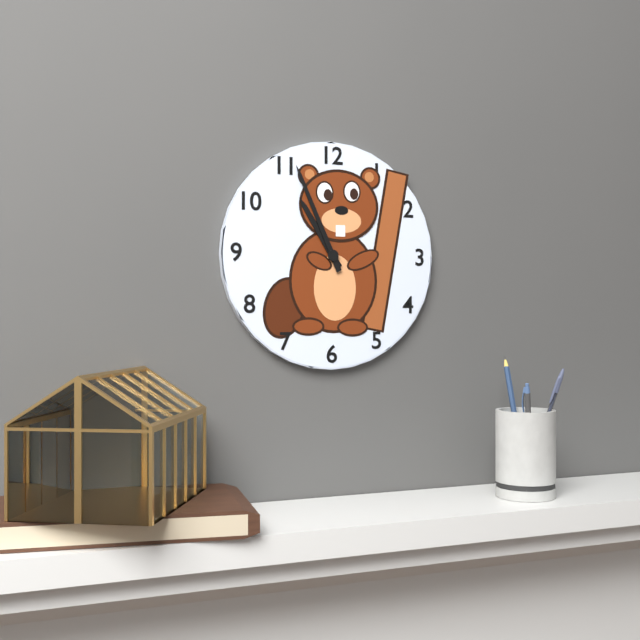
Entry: h=10 m=56
